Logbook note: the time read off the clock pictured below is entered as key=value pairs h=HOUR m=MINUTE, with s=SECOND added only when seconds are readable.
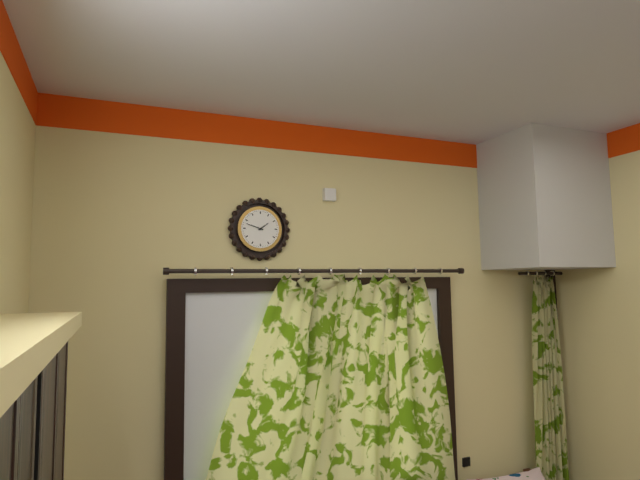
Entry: h=1 m=48
